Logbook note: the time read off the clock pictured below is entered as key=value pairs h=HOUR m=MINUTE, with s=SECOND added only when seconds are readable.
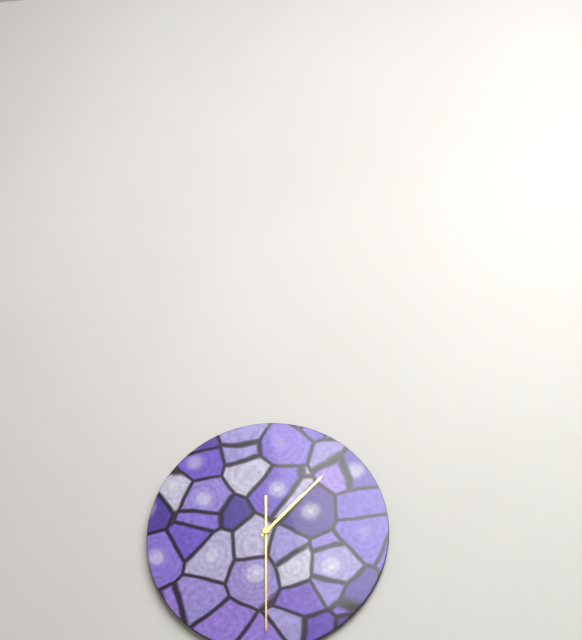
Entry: h=1 m=30
